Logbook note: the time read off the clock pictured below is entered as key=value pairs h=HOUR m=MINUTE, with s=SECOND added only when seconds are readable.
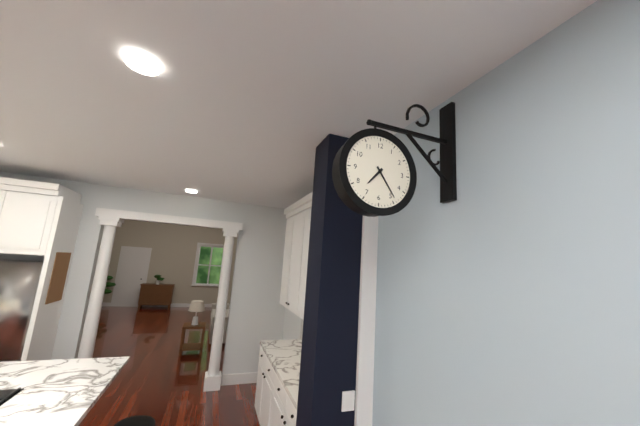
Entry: h=7 m=24
